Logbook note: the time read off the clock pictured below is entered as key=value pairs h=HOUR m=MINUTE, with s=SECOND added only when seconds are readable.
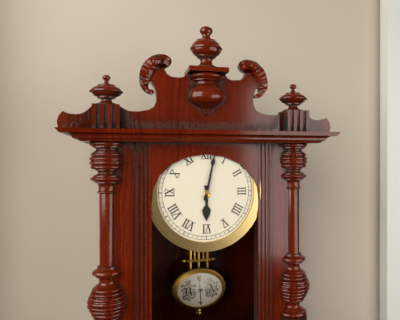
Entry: h=6 m=2
